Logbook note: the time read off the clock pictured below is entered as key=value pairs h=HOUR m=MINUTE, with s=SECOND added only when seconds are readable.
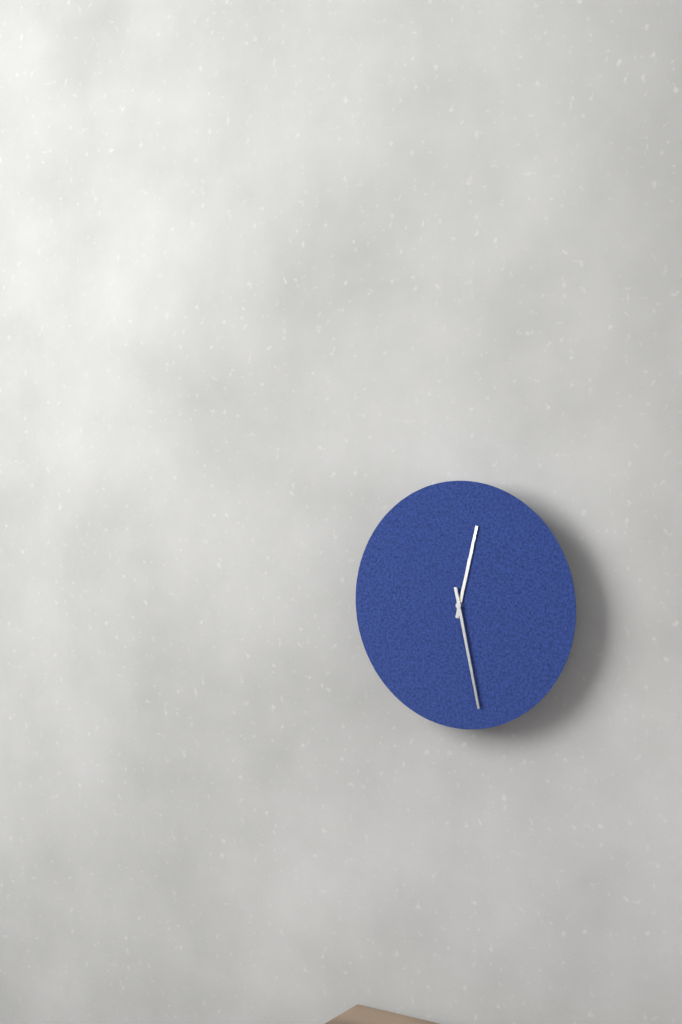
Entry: h=12 m=28
